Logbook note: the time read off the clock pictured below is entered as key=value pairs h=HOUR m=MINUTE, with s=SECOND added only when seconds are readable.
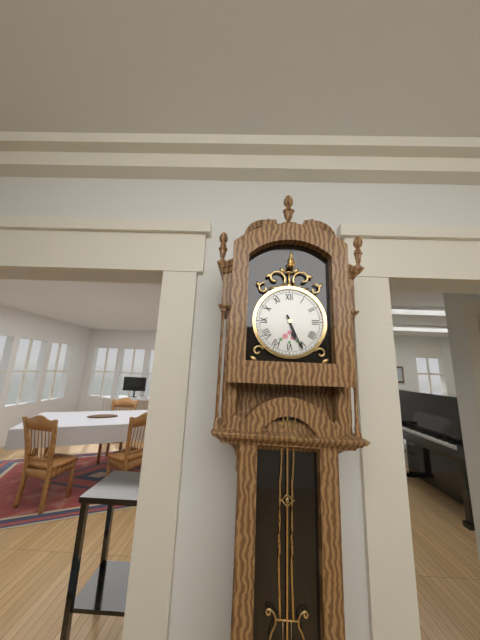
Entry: h=5 m=26
